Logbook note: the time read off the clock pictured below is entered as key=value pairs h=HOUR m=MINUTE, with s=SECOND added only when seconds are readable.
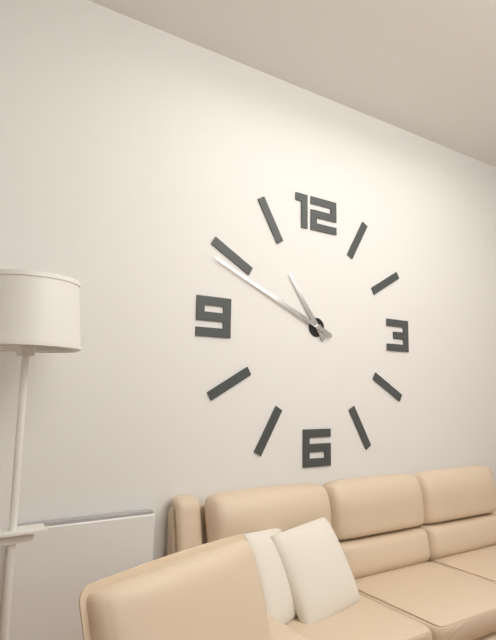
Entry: h=10 m=49
